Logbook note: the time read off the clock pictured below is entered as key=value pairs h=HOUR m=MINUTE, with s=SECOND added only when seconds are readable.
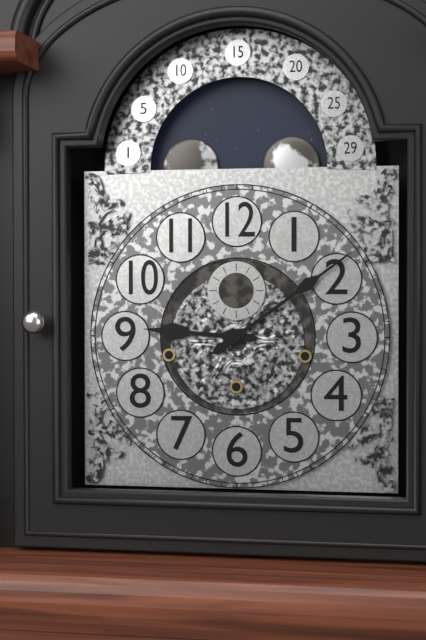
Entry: h=9 m=9
